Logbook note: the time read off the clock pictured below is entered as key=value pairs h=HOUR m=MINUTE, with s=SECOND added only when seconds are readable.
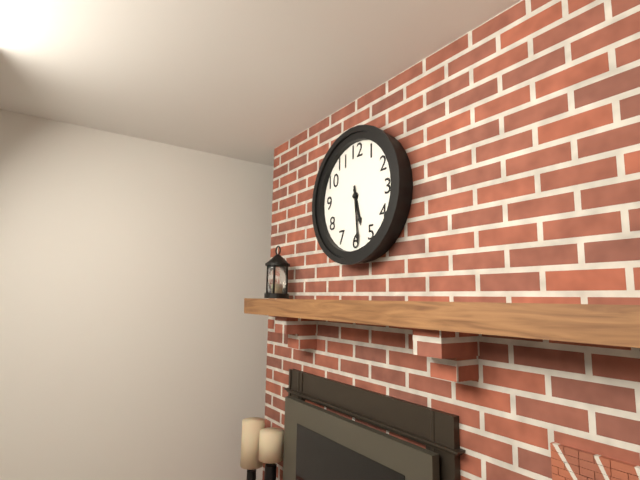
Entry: h=5 m=29
